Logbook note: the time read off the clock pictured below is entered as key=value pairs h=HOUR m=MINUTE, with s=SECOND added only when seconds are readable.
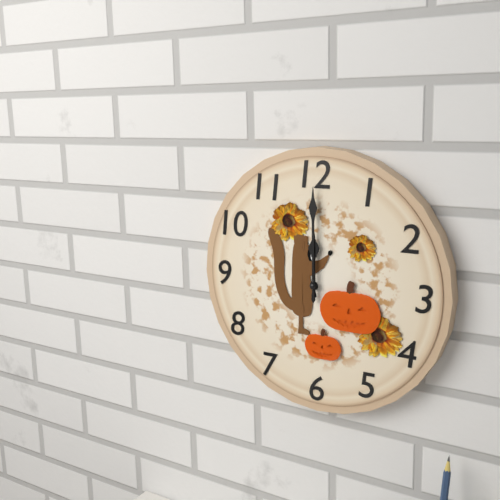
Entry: h=12 m=0
